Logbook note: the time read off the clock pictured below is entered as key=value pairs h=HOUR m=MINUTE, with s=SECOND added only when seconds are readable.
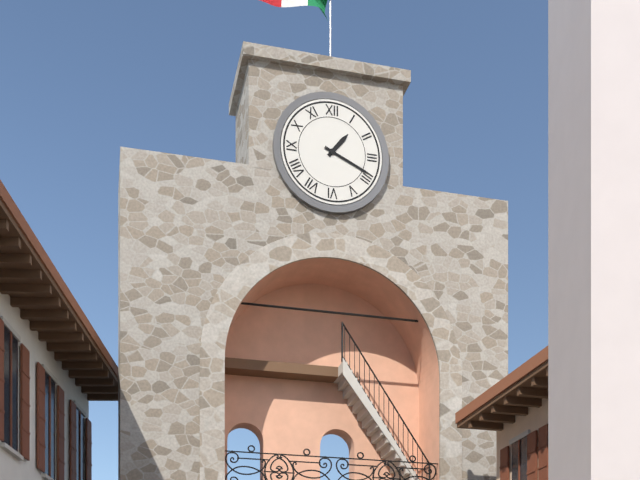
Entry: h=1 m=19
